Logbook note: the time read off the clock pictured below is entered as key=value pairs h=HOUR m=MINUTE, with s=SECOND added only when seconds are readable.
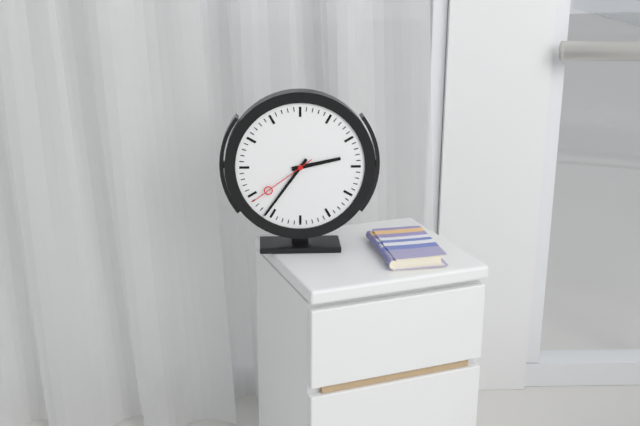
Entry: h=2 m=36 s=39
